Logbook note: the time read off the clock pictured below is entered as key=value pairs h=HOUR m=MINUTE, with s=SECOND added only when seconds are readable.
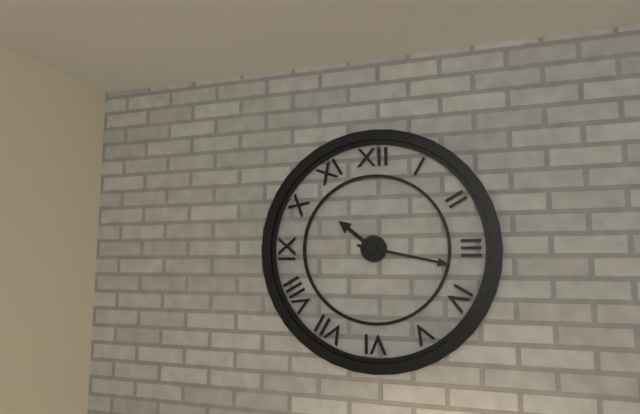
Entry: h=10 m=17
